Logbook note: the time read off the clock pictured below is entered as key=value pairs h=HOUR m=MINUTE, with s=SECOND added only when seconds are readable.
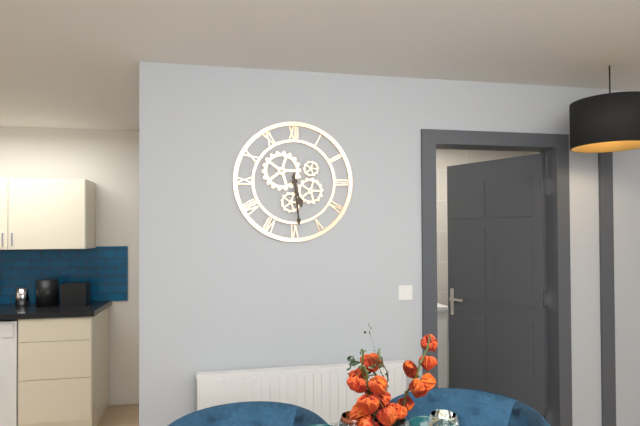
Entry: h=5 m=29
